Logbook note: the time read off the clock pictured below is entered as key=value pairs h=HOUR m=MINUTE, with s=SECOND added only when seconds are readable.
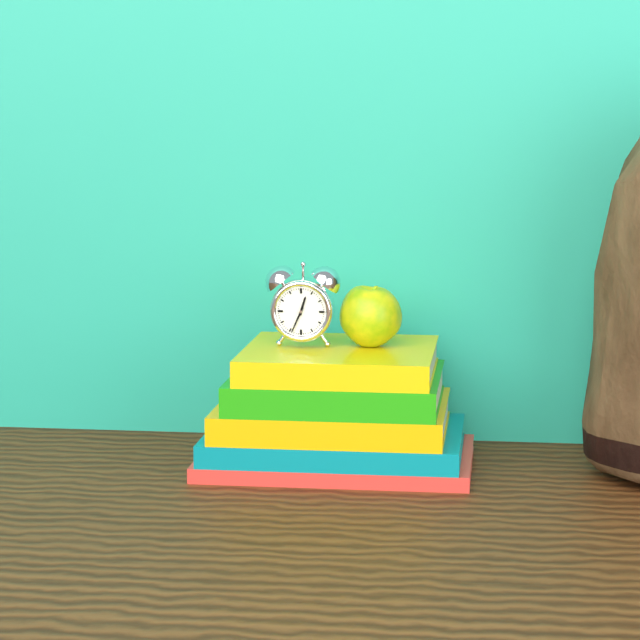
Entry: h=12 m=34
